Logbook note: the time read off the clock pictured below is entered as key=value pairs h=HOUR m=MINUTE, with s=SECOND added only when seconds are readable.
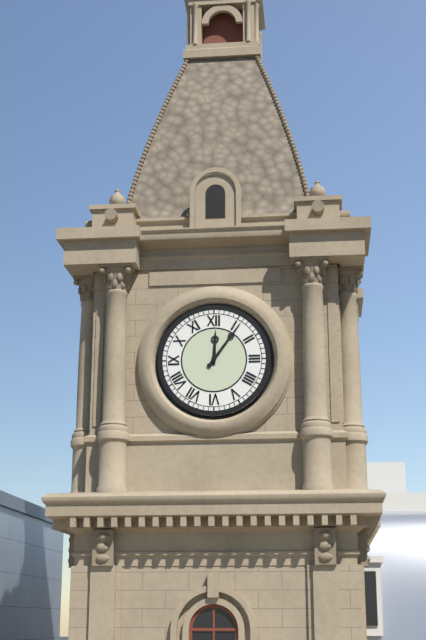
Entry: h=12 m=6
